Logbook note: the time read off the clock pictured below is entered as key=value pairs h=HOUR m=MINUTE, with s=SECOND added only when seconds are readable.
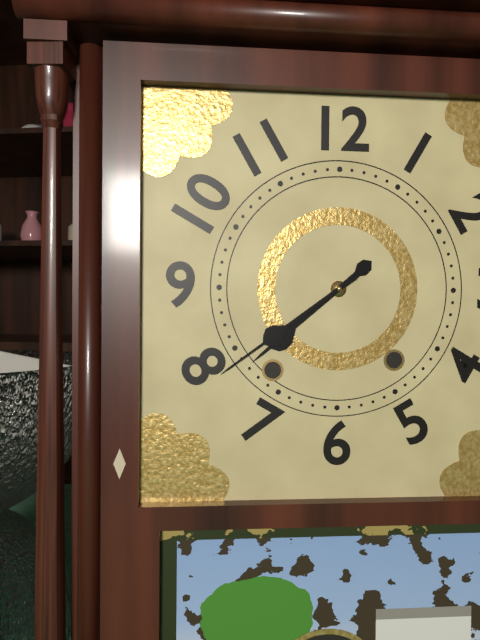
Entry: h=7 m=39
